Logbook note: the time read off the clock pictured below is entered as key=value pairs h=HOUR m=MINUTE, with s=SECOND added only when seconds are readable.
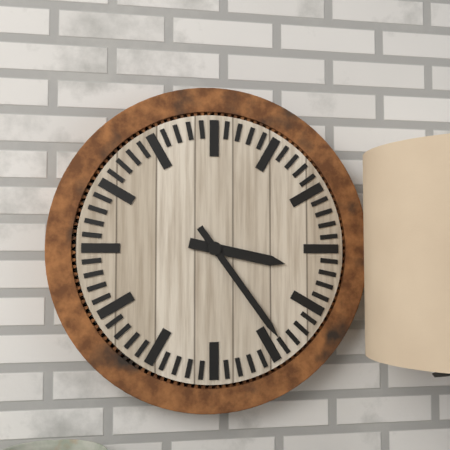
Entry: h=3 m=24
